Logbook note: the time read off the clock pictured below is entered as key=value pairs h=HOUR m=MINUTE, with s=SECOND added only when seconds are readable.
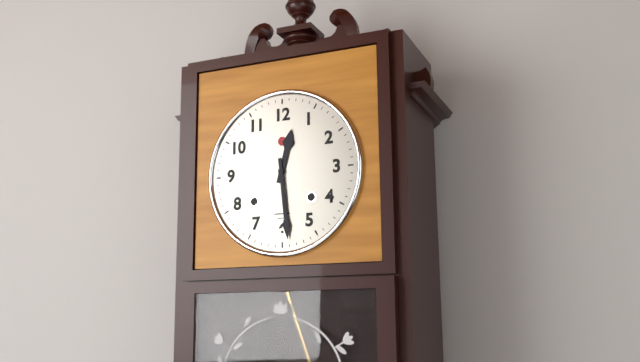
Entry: h=12 m=29
